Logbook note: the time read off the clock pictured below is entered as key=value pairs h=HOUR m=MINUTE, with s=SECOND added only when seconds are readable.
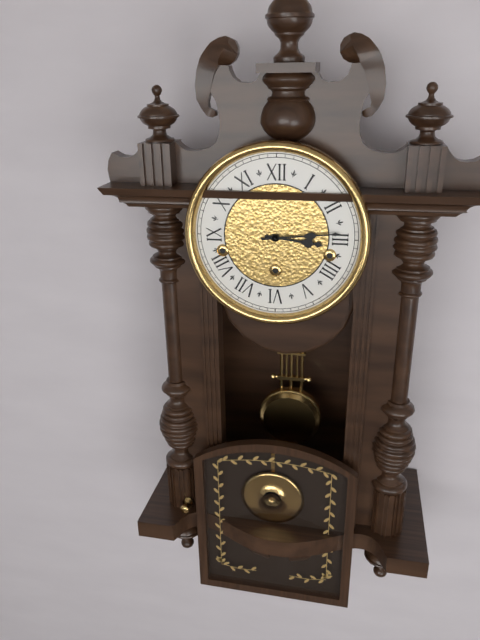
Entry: h=3 m=14
